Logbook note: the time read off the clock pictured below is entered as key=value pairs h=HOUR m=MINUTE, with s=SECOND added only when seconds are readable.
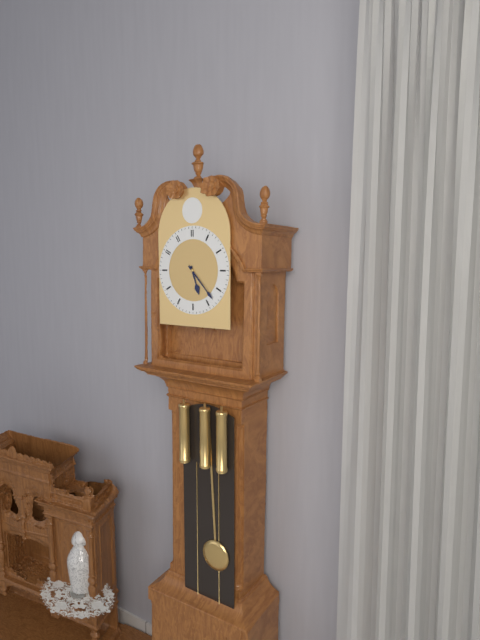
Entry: h=5 m=23
